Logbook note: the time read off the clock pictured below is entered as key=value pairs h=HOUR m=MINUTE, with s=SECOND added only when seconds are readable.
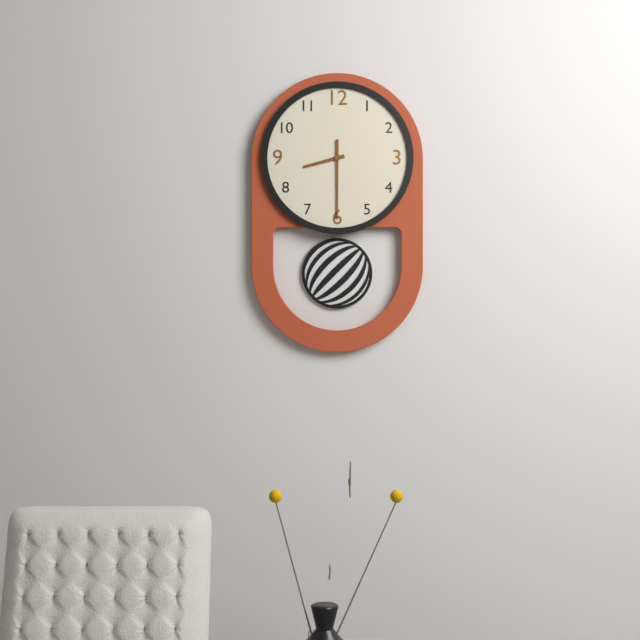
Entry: h=8 m=30
